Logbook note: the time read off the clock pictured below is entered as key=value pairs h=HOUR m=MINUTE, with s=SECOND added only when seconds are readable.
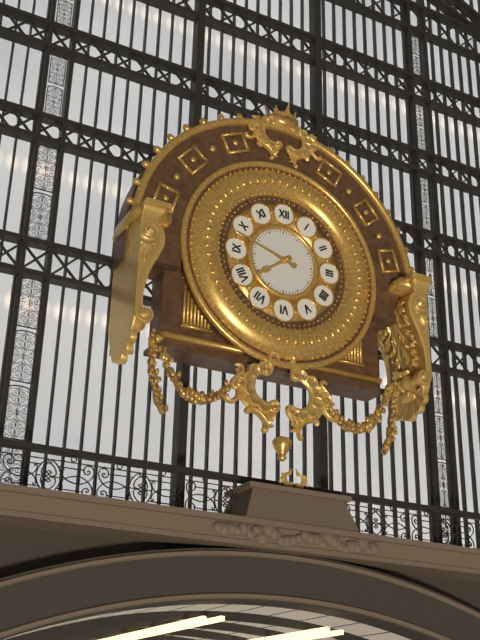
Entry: h=7 m=48
